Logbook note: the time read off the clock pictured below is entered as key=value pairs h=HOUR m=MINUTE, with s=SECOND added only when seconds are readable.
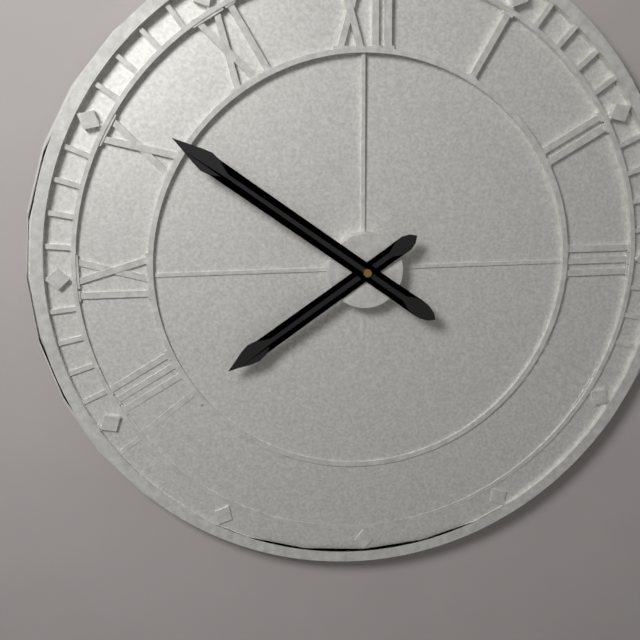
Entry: h=7 m=51
